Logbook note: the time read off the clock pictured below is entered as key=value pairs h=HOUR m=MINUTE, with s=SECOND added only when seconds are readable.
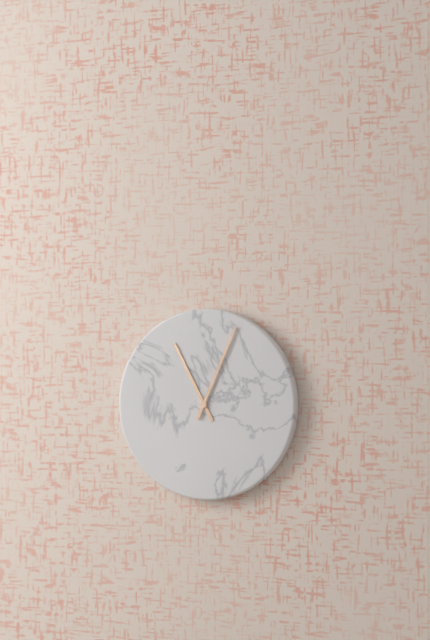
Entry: h=11 m=4
